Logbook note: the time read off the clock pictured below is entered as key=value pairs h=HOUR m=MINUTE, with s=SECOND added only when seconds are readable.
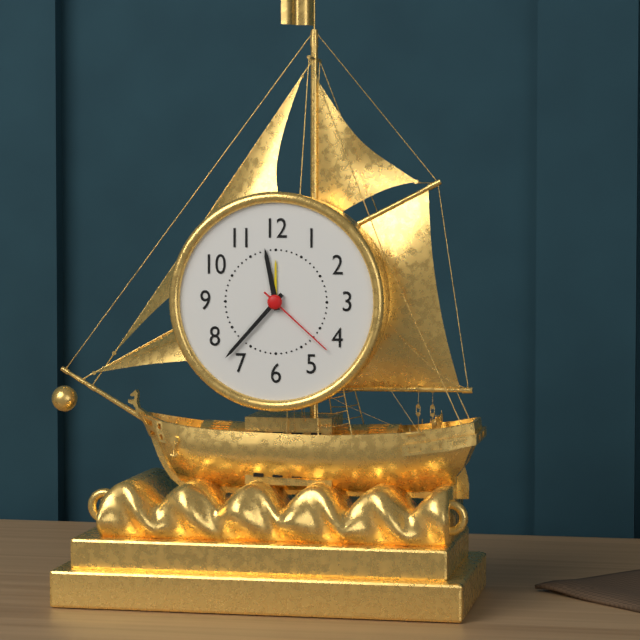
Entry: h=11 m=37 s=22
